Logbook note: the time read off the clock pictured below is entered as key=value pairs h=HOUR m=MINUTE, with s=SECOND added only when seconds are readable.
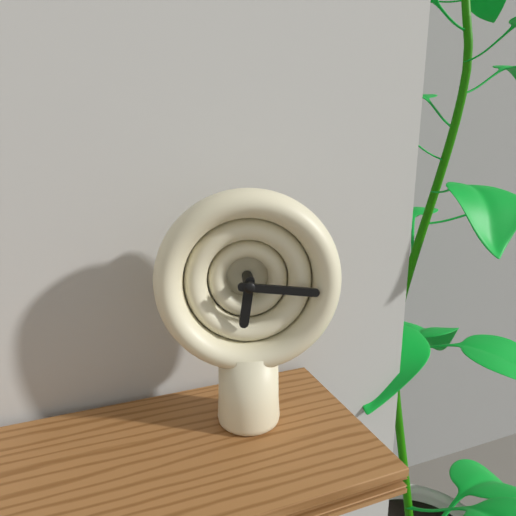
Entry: h=6 m=16
